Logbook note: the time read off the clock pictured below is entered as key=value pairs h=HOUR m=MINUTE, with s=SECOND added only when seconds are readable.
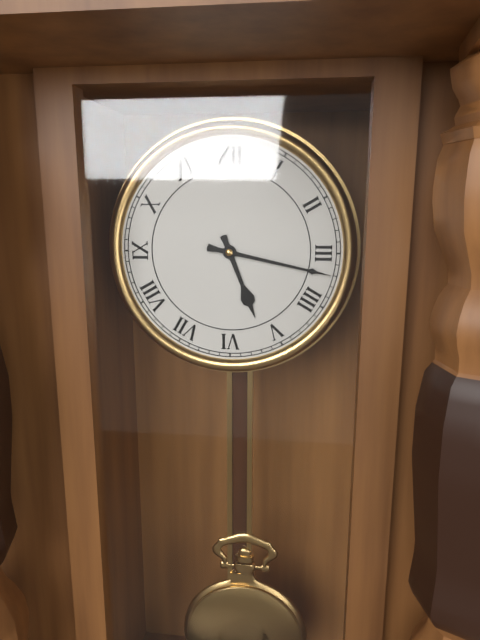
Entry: h=5 m=17
